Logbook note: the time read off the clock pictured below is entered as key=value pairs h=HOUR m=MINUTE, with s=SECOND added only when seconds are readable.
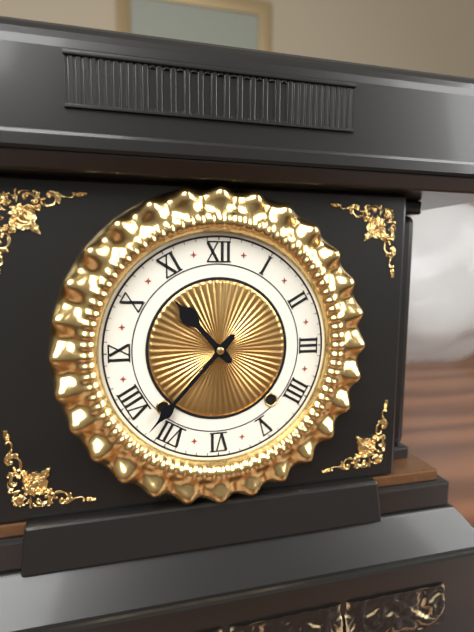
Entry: h=10 m=37
